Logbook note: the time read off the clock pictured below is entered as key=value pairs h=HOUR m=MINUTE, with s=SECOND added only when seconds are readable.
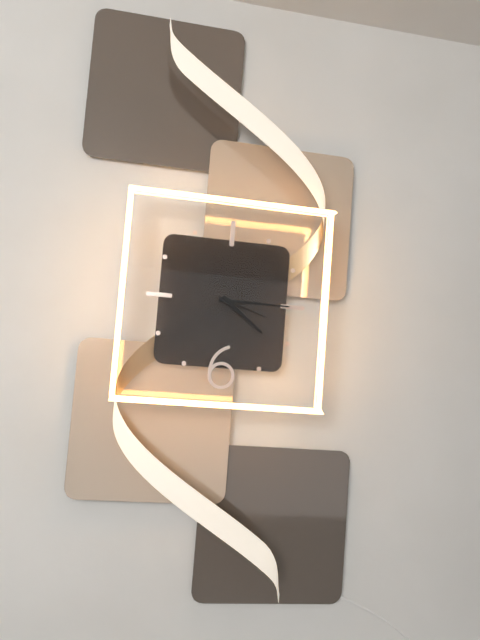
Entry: h=4 m=15 s=18
